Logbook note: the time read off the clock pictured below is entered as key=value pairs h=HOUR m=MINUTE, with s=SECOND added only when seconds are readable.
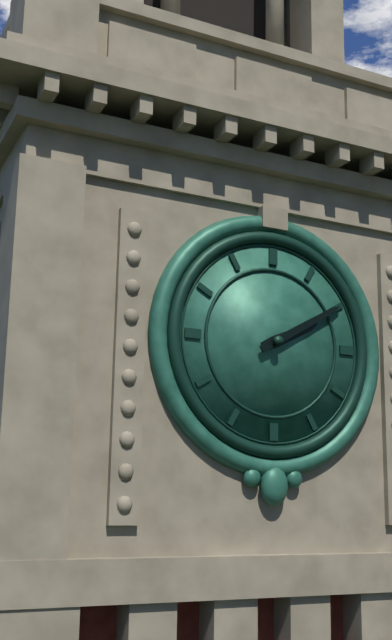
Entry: h=2 m=10
